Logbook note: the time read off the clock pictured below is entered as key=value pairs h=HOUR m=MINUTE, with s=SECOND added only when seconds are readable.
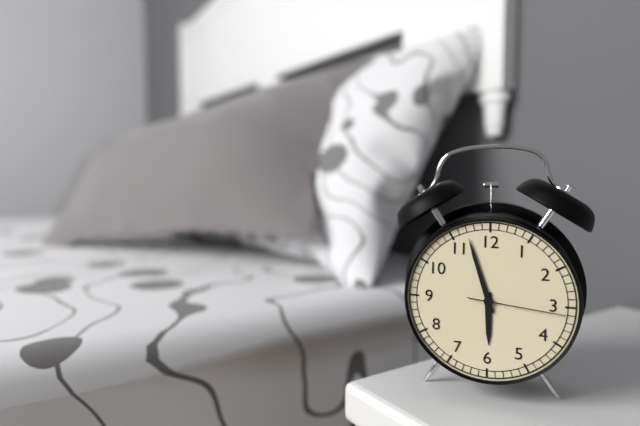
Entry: h=5 m=57 s=16
